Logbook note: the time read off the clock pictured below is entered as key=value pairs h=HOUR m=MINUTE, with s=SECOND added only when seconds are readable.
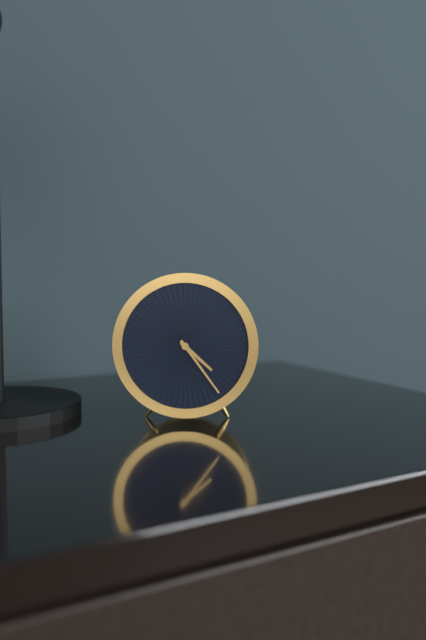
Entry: h=4 m=24
